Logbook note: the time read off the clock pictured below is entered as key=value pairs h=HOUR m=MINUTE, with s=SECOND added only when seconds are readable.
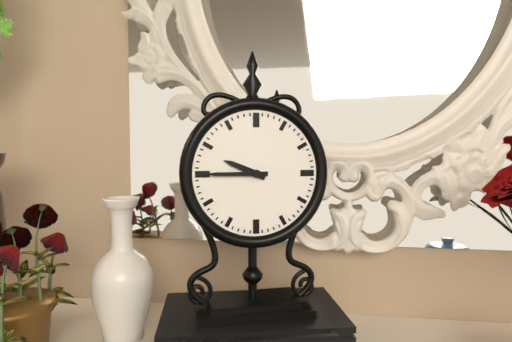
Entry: h=9 m=45
